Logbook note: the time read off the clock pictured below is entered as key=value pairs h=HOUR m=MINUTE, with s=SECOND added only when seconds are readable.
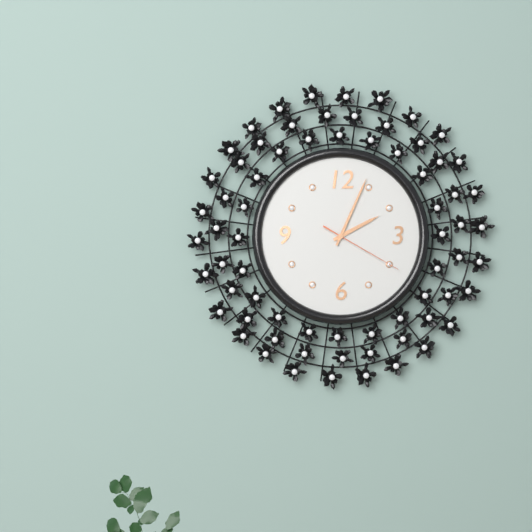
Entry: h=2 m=4 s=20
